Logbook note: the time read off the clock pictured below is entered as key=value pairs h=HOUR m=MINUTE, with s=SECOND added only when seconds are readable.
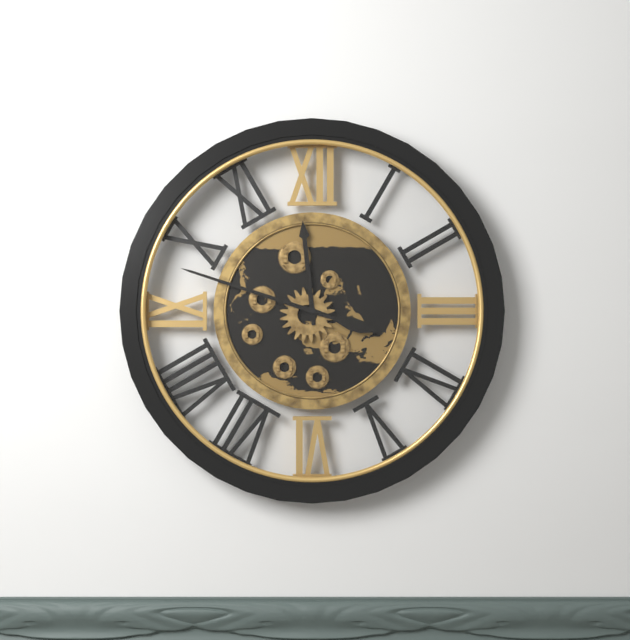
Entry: h=11 m=48
